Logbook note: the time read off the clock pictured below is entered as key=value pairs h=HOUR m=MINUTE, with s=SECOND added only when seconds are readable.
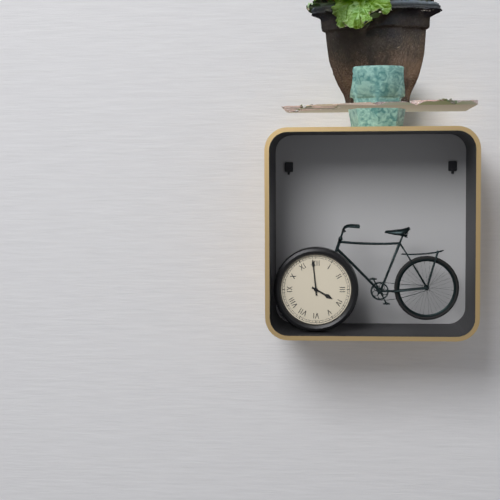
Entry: h=3 m=59
